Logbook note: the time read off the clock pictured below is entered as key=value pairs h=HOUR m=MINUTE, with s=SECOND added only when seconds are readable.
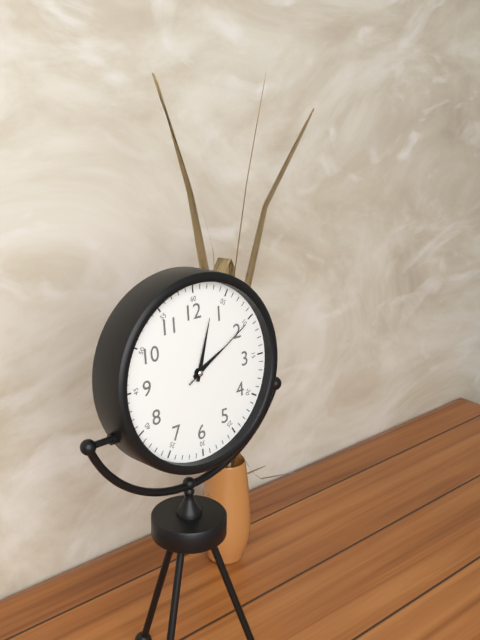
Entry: h=2 m=3 s=10
